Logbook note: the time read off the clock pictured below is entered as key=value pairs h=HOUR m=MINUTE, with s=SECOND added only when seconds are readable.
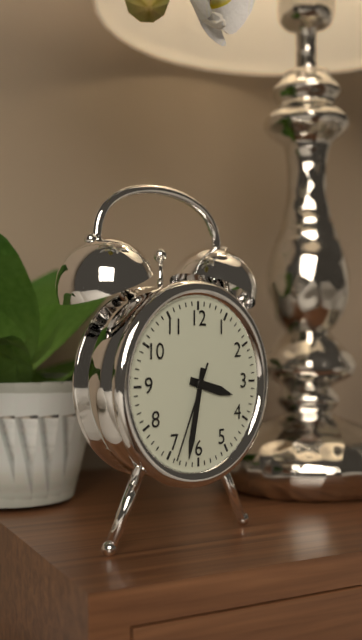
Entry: h=3 m=32 s=34
